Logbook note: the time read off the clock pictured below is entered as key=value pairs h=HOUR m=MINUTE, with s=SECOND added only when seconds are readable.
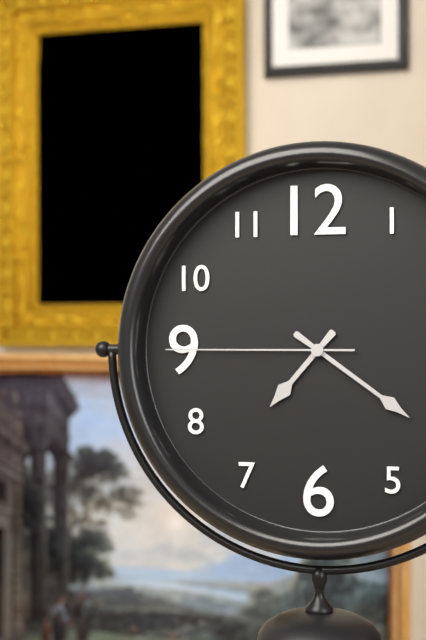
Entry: h=7 m=21 s=45
